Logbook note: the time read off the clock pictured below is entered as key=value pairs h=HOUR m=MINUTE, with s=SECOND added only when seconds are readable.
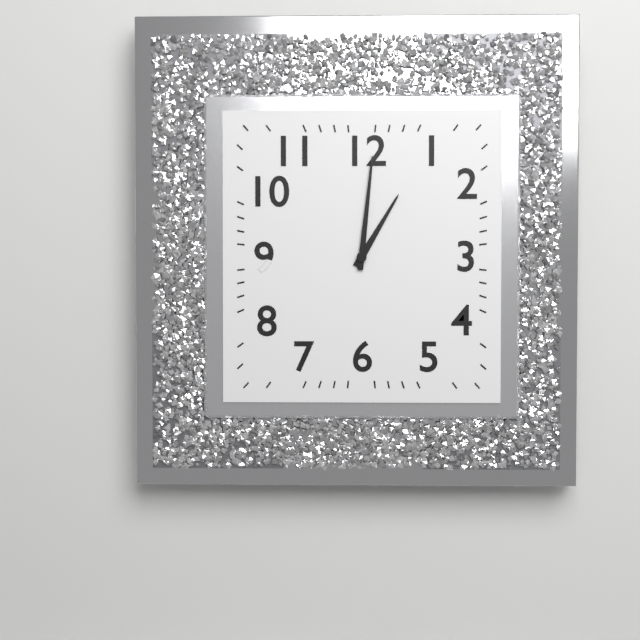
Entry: h=1 m=1
